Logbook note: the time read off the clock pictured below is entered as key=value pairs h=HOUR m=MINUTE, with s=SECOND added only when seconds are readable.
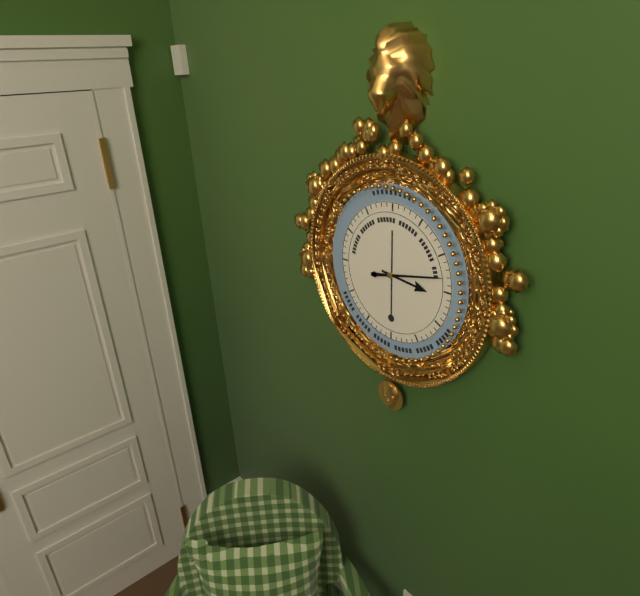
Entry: h=3 m=13
